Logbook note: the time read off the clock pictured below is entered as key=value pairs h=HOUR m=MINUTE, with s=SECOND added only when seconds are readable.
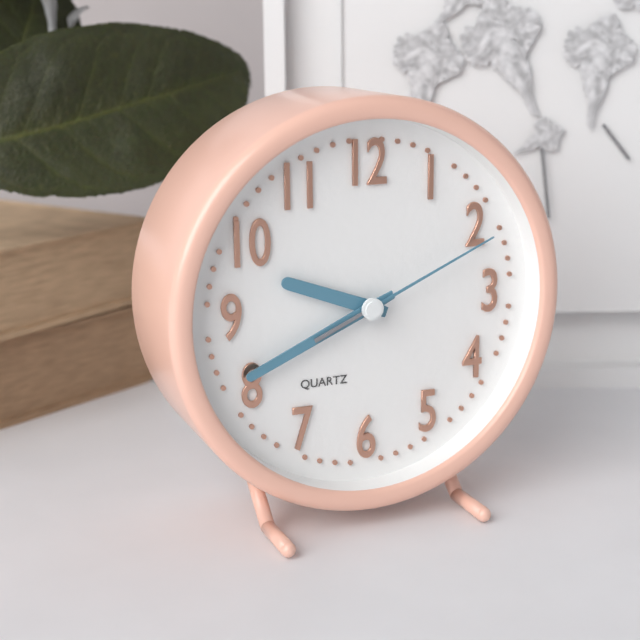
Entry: h=9 m=41 s=11
